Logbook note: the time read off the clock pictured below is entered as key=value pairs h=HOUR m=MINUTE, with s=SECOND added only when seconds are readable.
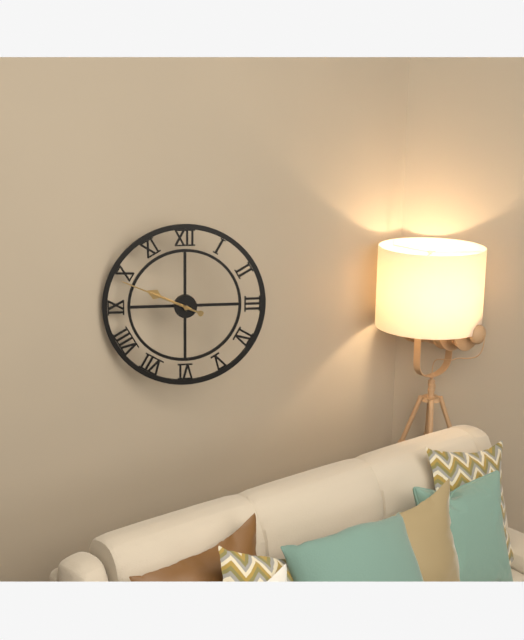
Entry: h=9 m=49
